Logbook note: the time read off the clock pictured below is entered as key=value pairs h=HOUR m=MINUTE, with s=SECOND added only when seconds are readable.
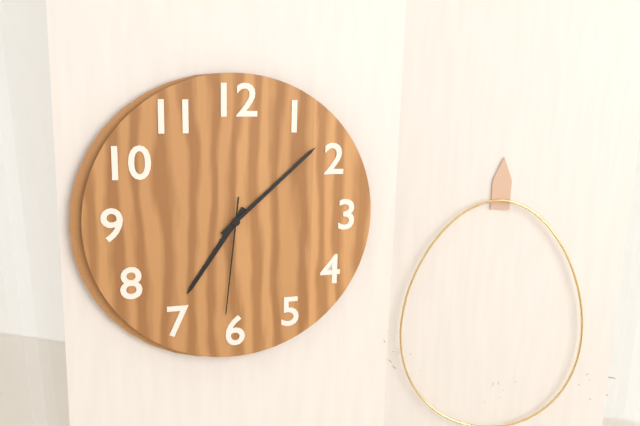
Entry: h=7 m=8 s=31
